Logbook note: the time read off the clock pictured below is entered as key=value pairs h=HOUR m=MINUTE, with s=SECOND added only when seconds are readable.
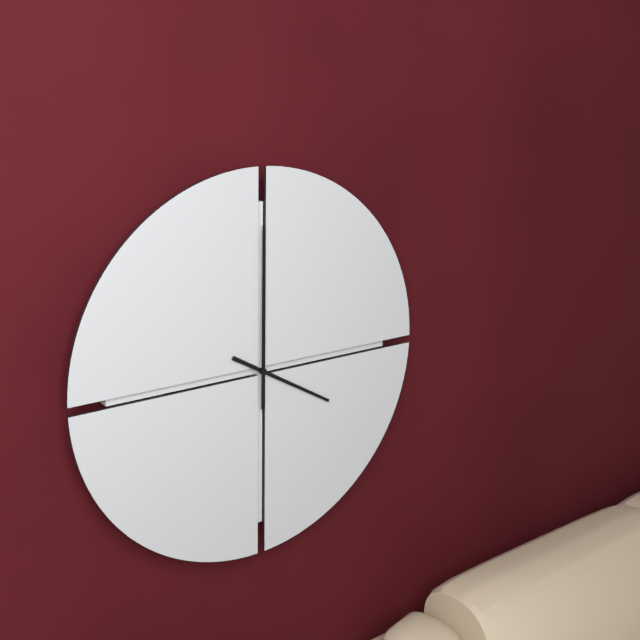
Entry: h=4 m=0
